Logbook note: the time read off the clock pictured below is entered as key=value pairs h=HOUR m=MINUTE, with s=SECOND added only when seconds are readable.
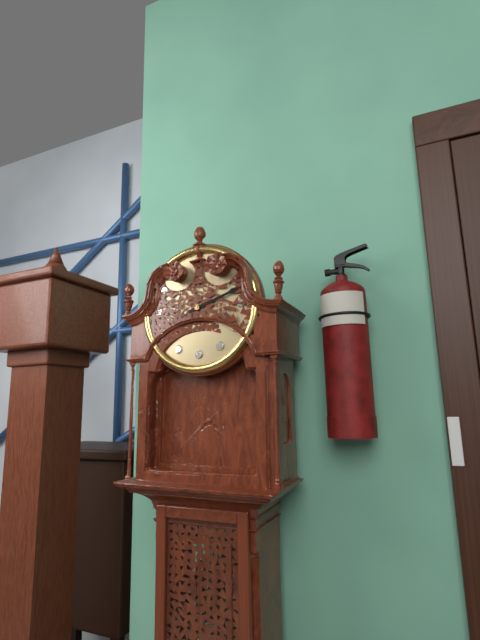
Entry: h=8 m=12
